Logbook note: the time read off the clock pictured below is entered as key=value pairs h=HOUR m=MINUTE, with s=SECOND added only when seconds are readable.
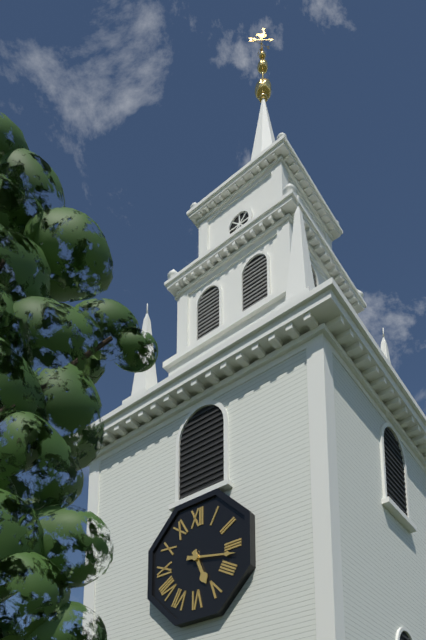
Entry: h=5 m=17
